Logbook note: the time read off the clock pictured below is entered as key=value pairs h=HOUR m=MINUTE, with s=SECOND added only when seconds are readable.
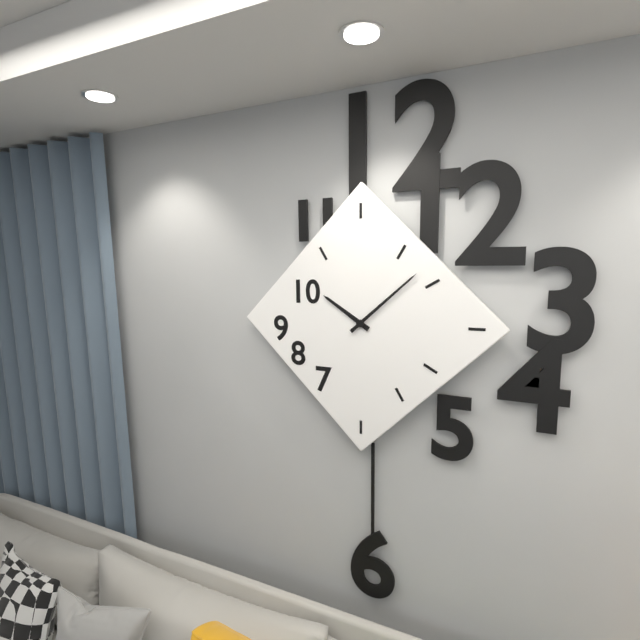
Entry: h=10 m=8
